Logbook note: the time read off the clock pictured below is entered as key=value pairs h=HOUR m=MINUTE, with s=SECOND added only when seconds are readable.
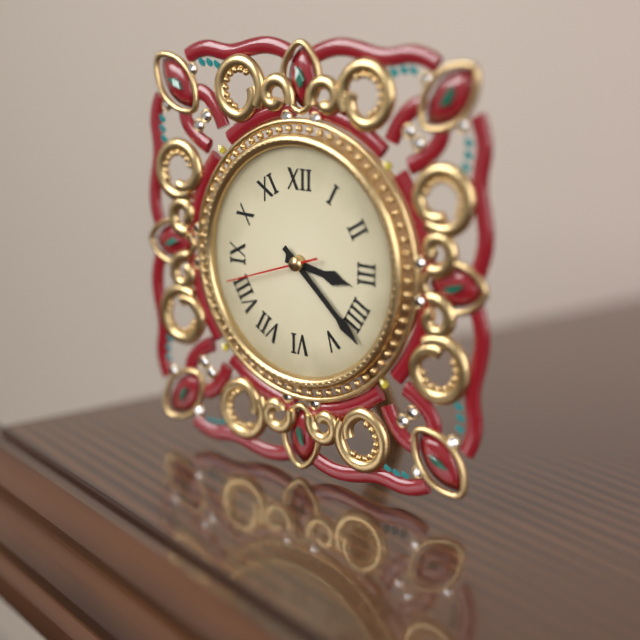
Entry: h=3 m=22 s=42
